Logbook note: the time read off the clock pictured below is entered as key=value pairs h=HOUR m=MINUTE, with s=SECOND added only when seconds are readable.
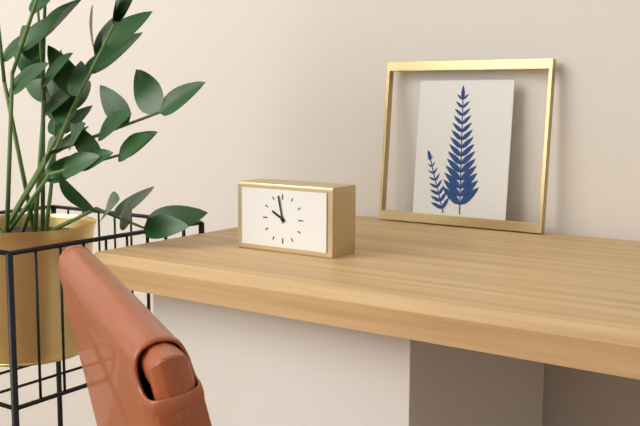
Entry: h=9 m=58
